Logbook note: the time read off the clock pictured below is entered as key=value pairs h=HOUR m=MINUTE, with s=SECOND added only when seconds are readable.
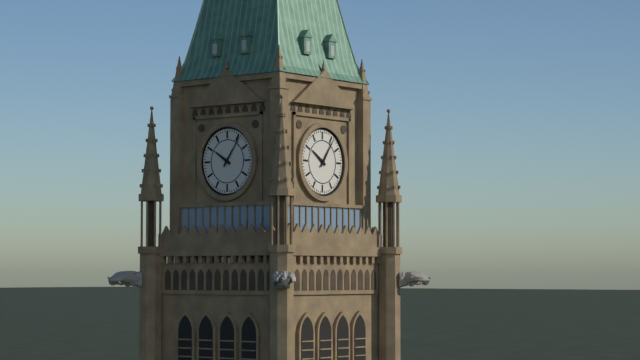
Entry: h=10 m=6
